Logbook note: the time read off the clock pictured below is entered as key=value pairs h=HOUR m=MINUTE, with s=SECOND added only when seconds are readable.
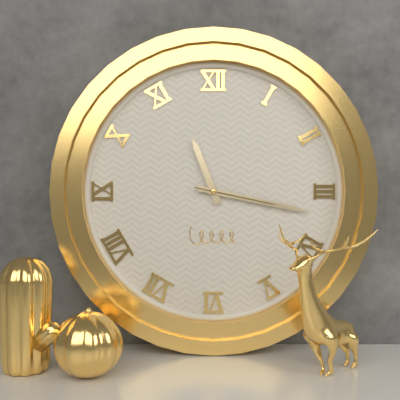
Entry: h=11 m=17 s=17
